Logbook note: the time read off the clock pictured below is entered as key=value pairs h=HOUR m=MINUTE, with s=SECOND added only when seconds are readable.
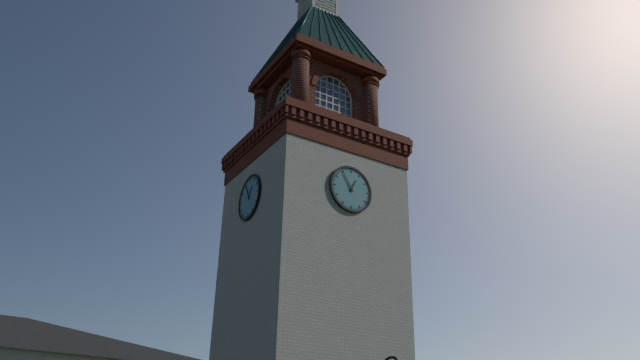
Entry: h=12 m=55
